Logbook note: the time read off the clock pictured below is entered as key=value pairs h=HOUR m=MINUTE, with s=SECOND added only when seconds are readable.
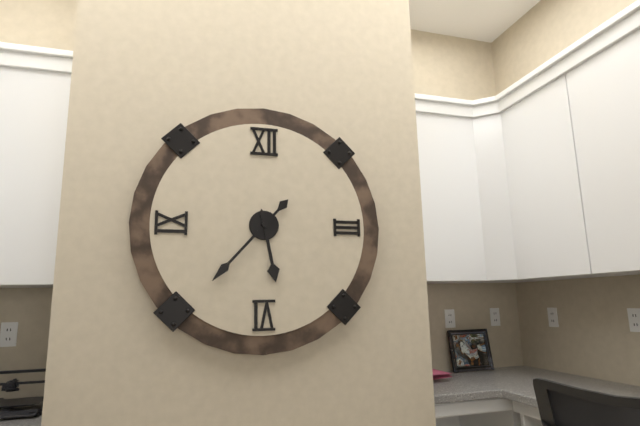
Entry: h=5 m=37
